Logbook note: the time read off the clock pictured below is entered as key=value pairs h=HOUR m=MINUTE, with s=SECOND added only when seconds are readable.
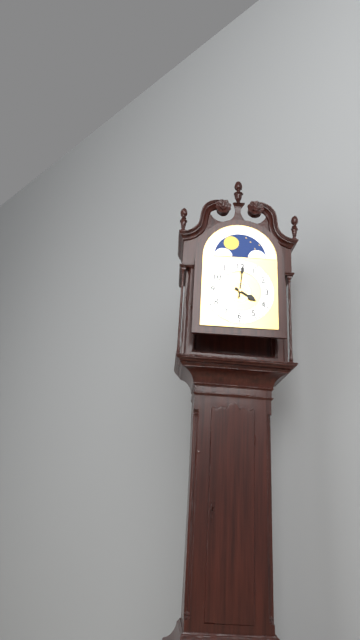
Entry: h=4 m=1
